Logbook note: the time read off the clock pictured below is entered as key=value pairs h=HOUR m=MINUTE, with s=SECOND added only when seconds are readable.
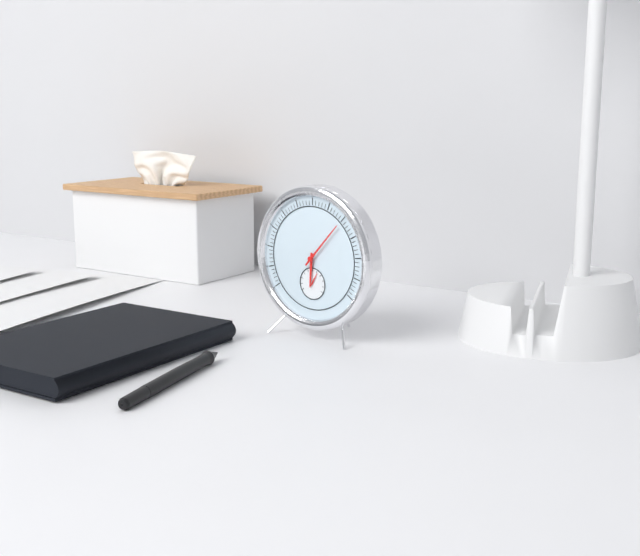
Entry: h=6 m=7
